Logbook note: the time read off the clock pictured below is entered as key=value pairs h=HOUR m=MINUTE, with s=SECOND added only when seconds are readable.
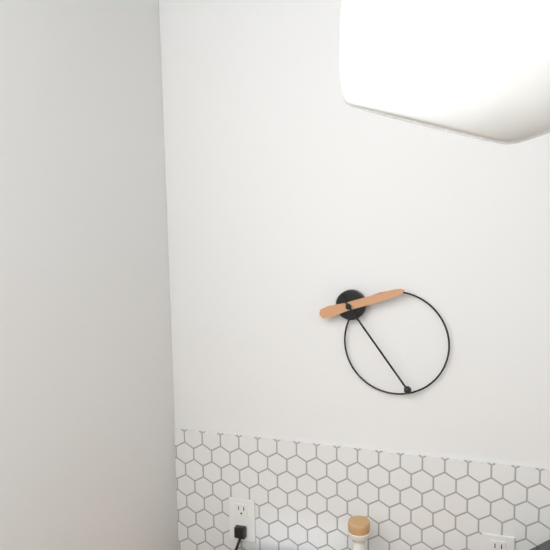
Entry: h=2 m=24
